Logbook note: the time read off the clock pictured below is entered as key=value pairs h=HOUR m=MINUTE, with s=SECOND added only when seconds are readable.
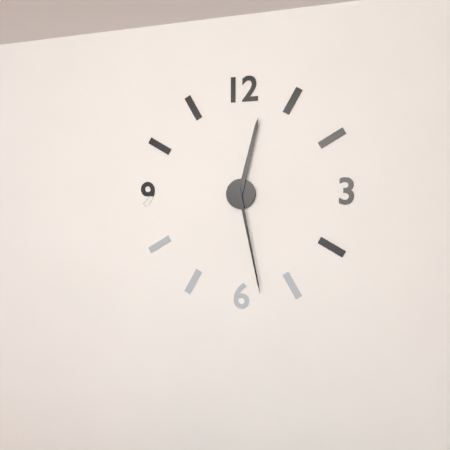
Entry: h=12 m=28
